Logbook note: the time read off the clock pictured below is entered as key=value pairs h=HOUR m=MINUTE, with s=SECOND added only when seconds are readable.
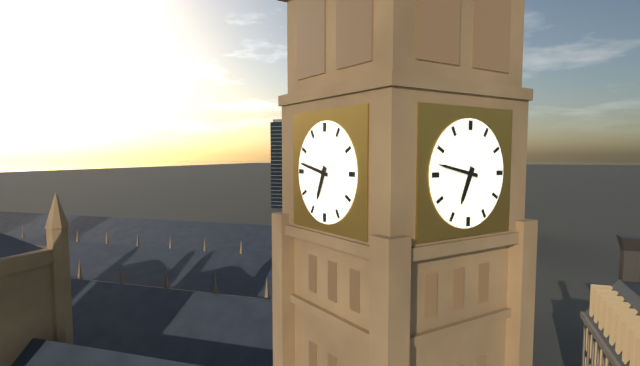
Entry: h=6 m=47
